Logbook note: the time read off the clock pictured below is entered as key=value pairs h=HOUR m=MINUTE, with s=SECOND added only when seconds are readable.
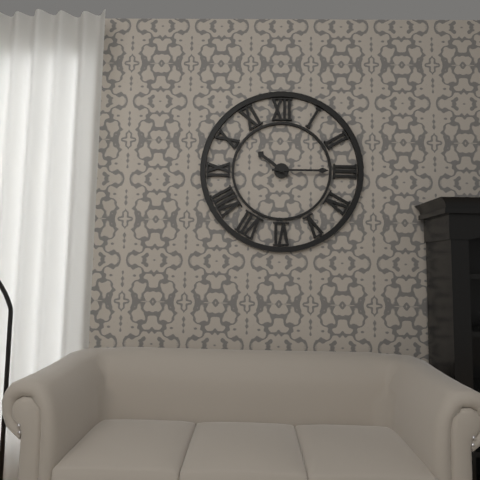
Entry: h=10 m=15
